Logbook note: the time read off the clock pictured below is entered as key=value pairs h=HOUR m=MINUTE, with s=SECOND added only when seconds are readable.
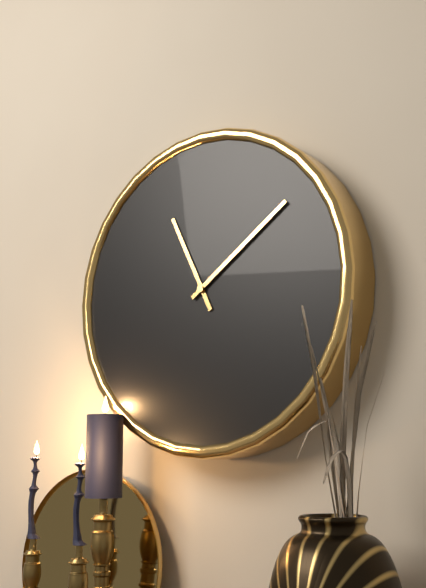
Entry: h=11 m=9
